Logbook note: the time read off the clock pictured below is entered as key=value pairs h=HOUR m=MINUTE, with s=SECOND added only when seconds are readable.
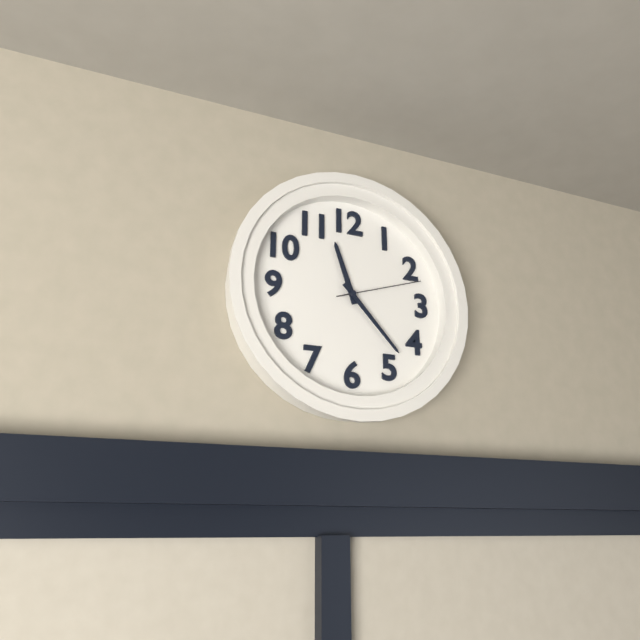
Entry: h=11 m=23 s=12
